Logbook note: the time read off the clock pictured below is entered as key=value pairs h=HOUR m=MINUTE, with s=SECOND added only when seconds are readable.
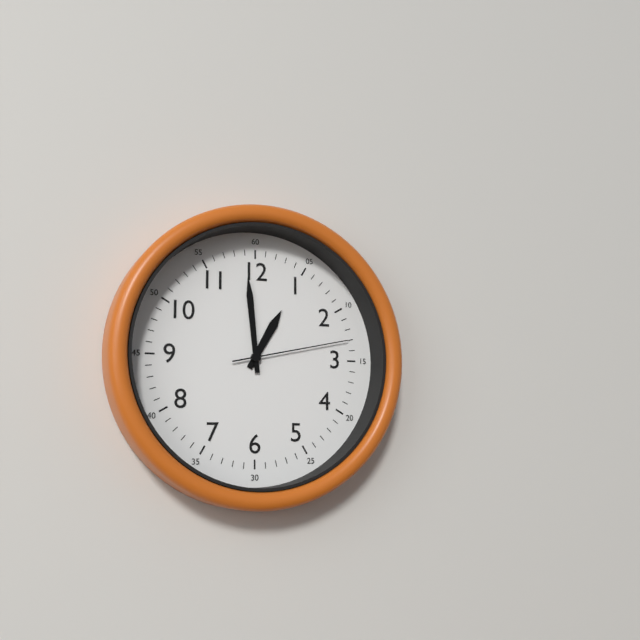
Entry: h=12 m=59 s=13
